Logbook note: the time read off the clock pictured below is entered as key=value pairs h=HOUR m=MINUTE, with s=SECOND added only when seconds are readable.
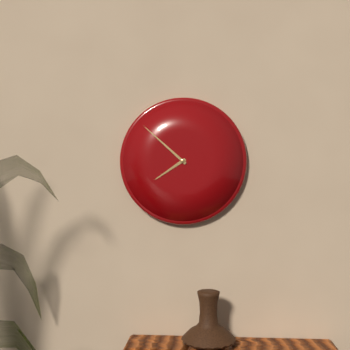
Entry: h=7 m=52
